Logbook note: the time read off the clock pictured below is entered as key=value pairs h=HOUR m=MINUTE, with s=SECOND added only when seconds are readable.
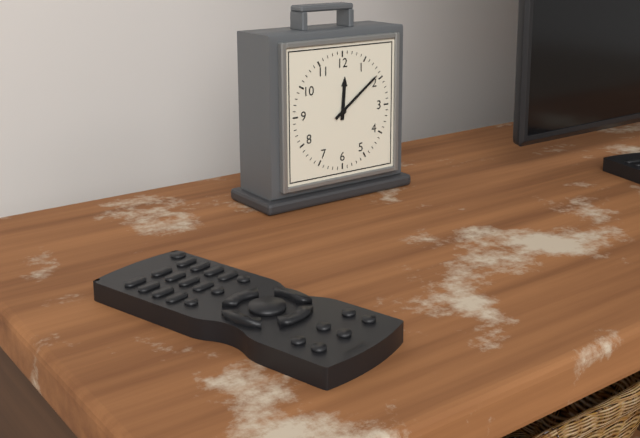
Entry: h=12 m=9
